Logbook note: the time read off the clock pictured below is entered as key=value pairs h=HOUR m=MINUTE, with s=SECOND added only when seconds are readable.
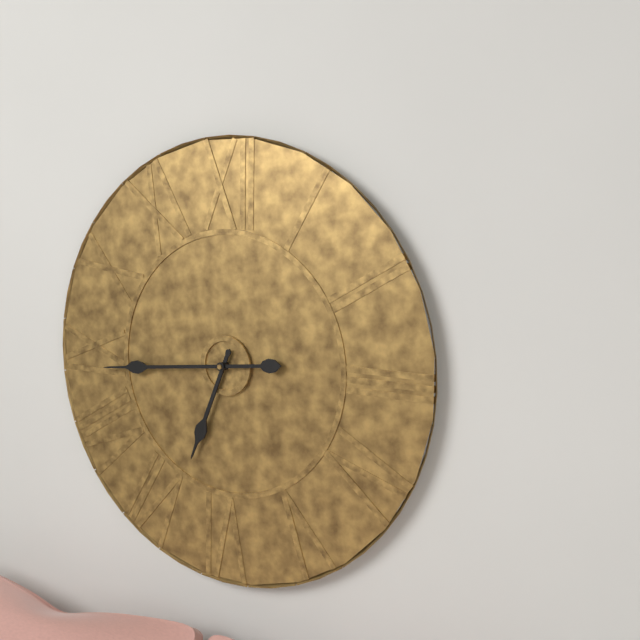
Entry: h=6 m=44
